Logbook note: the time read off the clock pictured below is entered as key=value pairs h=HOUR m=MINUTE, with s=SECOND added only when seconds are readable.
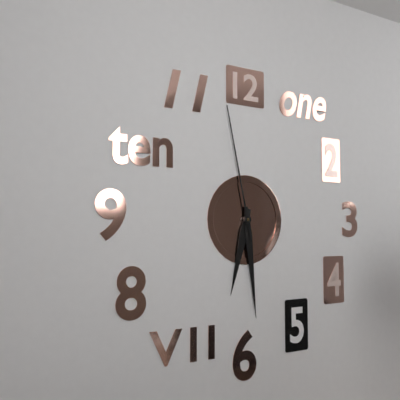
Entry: h=6 m=29 s=58
